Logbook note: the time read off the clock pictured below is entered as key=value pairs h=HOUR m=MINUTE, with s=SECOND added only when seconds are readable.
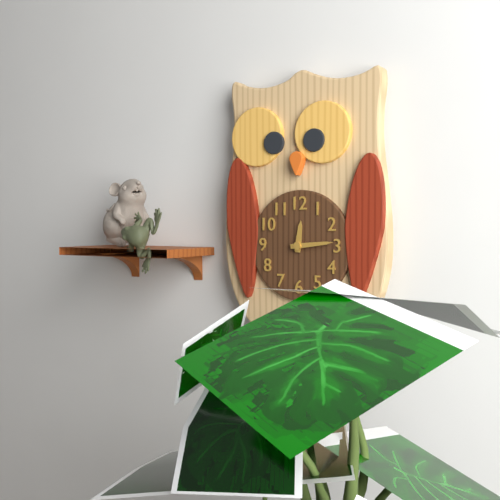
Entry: h=12 m=14
